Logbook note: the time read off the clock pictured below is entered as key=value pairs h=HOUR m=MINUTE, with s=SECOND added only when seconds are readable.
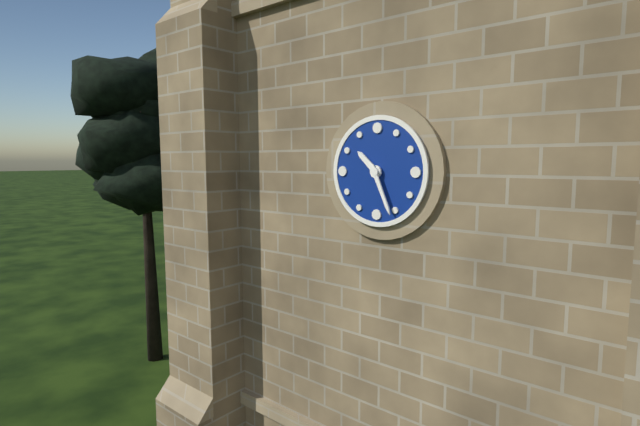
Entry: h=10 m=26
